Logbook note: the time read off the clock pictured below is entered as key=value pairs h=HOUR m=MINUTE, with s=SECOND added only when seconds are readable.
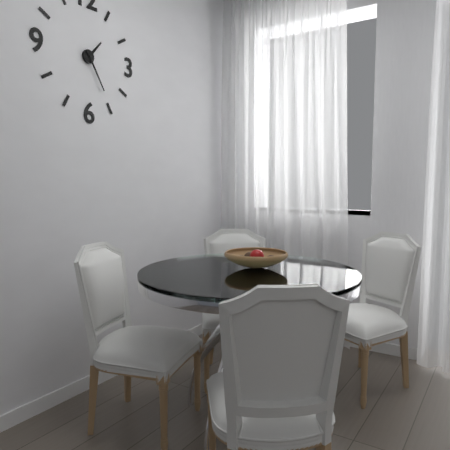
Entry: h=1 m=25
